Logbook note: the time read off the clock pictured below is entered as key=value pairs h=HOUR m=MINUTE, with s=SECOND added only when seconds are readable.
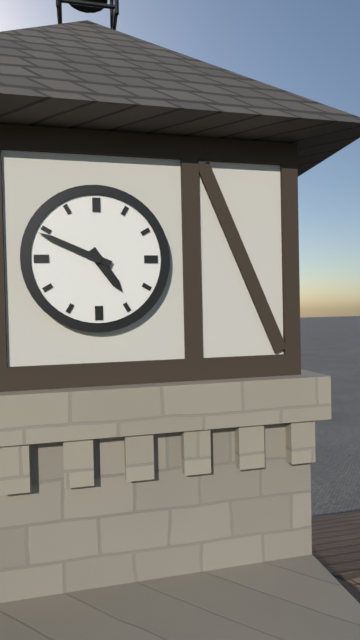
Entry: h=4 m=49
